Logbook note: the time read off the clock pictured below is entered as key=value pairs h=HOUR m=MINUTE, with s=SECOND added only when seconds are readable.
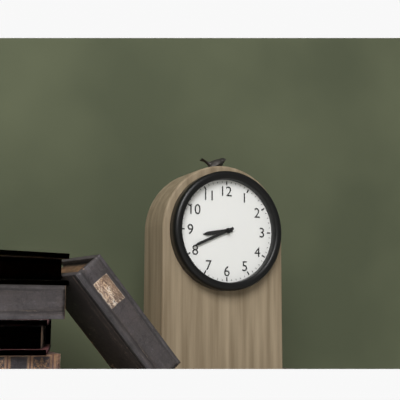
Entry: h=8 m=41
